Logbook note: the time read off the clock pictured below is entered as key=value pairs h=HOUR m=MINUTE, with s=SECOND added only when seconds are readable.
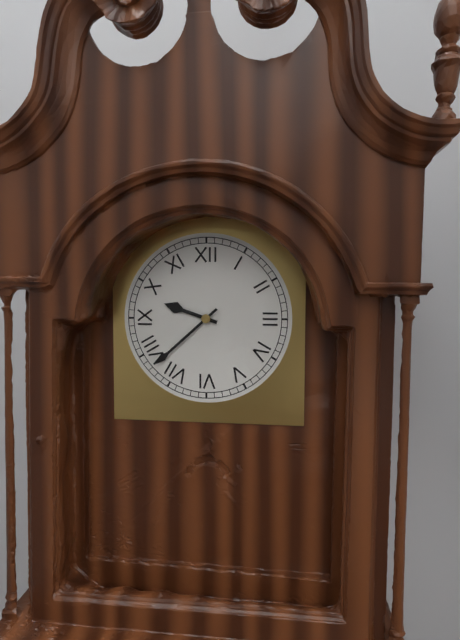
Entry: h=9 m=38
